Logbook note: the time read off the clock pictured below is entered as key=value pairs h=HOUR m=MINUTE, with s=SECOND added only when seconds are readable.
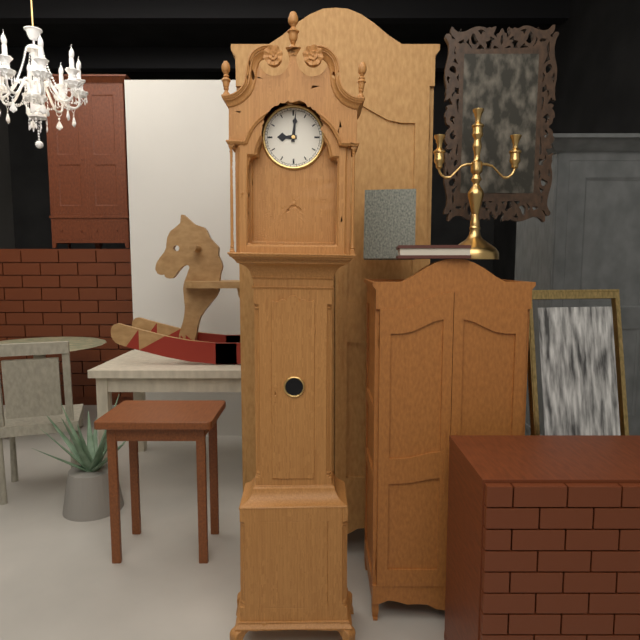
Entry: h=9 m=1
